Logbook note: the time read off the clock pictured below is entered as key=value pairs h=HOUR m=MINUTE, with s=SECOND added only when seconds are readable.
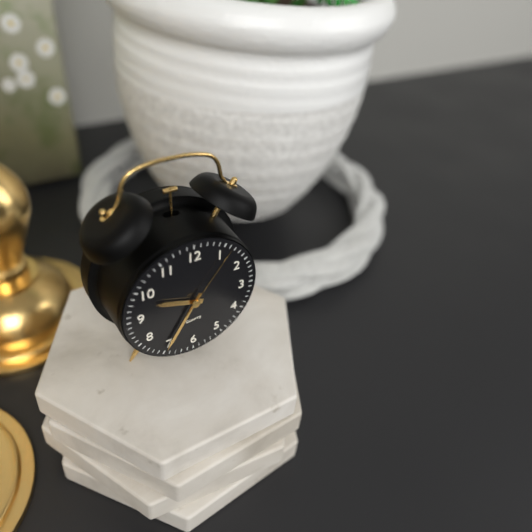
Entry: h=9 m=35 s=6
